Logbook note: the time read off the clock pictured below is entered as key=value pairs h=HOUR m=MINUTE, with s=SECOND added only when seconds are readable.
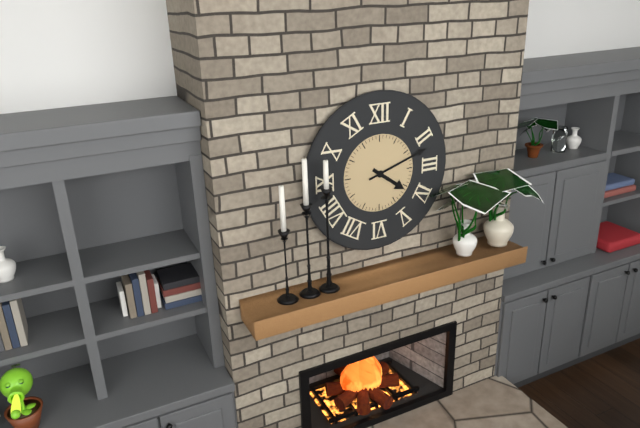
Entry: h=4 m=12
